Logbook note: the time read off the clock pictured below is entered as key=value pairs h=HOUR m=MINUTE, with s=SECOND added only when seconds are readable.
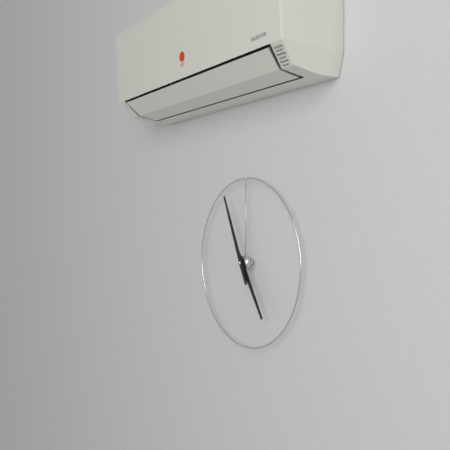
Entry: h=4 m=56
